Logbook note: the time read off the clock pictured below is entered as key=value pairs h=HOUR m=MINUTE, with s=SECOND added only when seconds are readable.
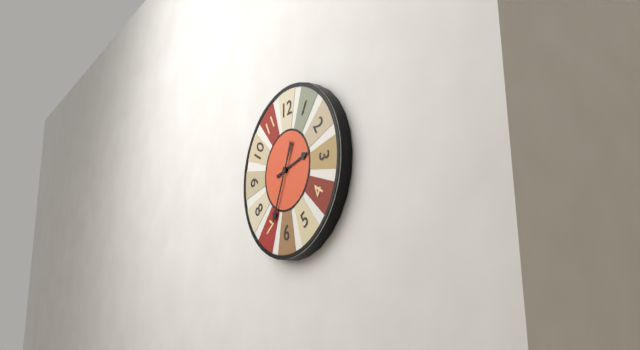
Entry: h=2 m=34
